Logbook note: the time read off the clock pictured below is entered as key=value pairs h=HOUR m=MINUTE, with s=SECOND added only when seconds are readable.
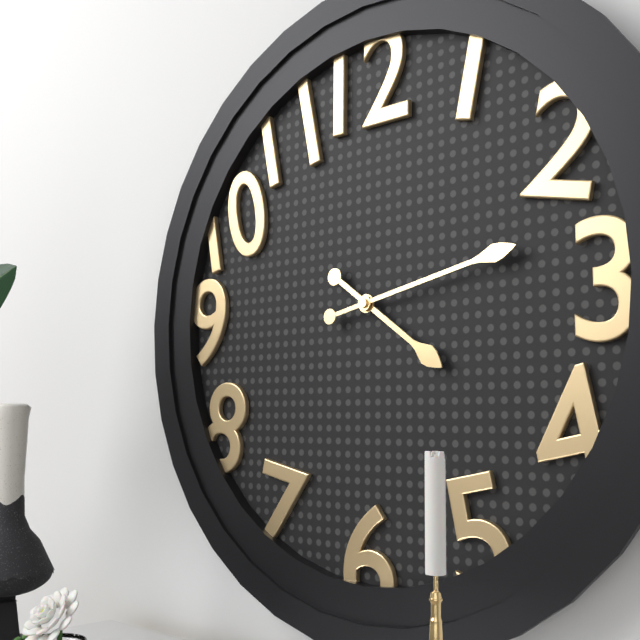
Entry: h=4 m=13
